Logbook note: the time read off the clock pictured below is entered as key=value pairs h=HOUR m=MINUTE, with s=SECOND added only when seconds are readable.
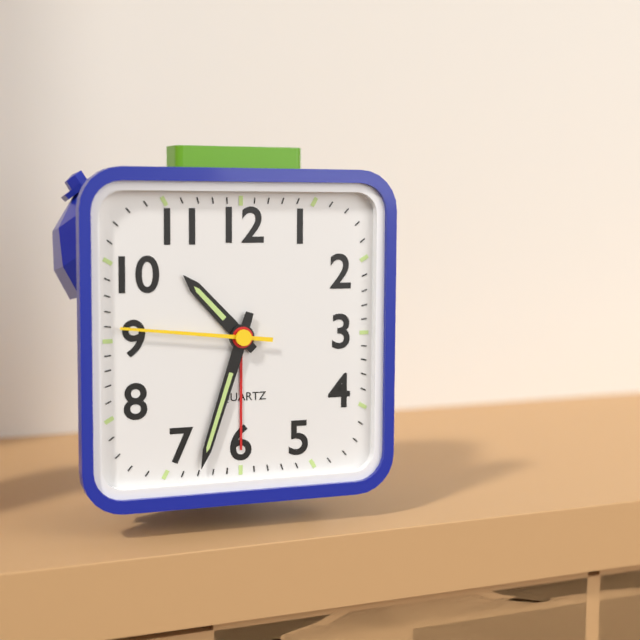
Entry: h=10 m=33 s=46
